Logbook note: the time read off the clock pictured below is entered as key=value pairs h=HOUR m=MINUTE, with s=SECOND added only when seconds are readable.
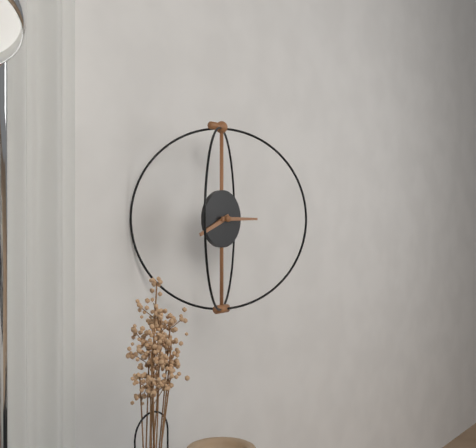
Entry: h=8 m=15
